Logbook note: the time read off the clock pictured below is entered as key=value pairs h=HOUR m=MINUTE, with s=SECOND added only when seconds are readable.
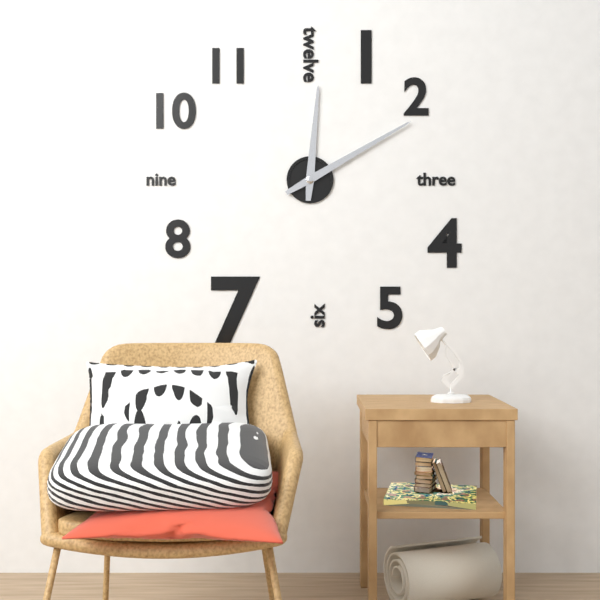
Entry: h=12 m=10
